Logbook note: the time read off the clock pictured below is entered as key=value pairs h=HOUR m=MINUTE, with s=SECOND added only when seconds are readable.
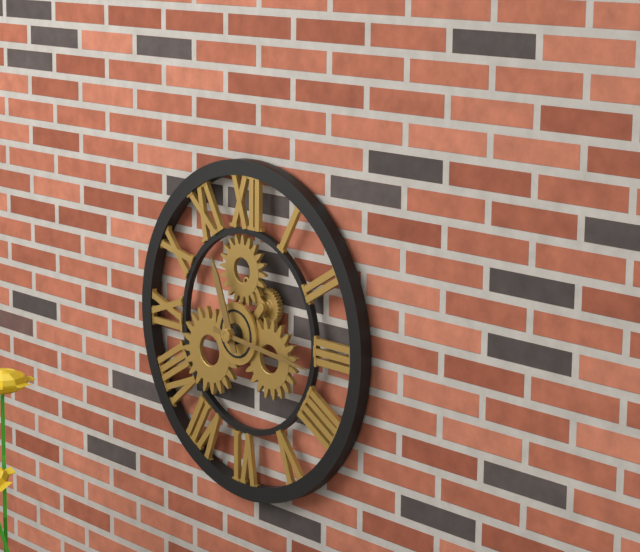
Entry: h=11 m=16
